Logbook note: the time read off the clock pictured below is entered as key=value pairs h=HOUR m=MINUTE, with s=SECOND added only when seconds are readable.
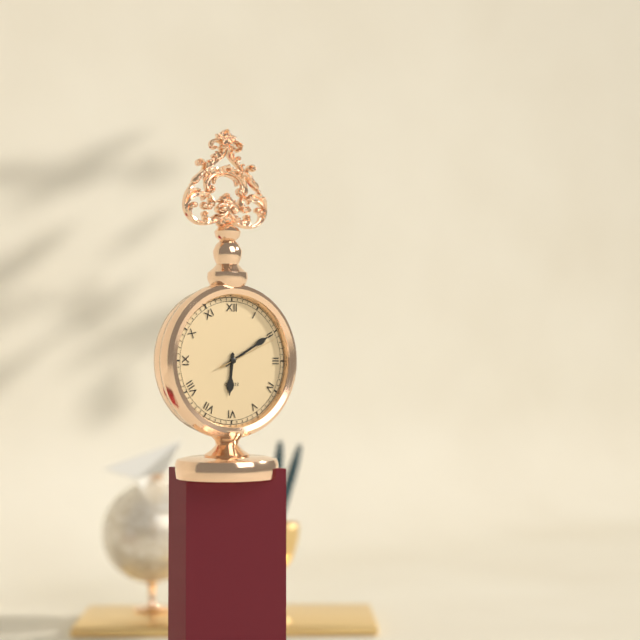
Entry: h=6 m=10 s=11
